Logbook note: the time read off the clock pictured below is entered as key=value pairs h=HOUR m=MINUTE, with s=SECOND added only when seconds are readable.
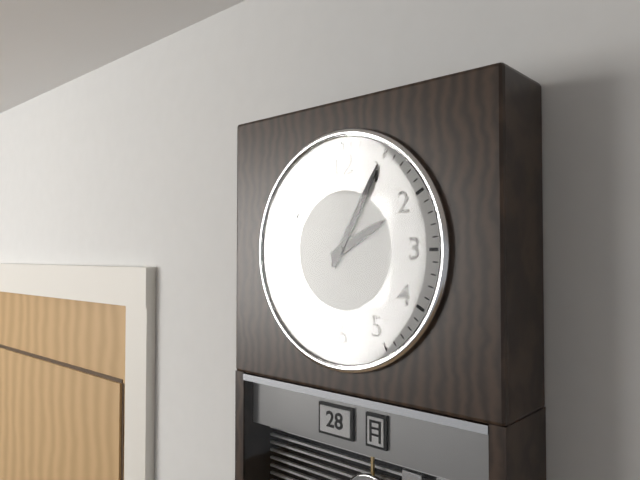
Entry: h=2 m=5
